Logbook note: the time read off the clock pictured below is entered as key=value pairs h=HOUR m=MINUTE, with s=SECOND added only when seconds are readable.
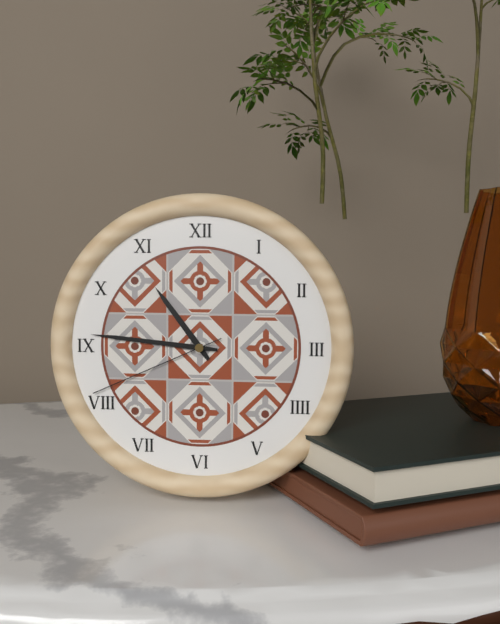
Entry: h=10 m=46 s=41
